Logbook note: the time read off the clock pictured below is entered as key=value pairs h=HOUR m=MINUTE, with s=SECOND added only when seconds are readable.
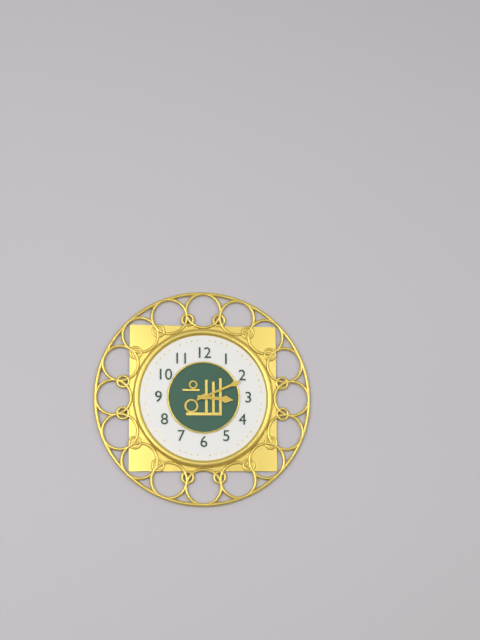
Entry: h=3 m=11
